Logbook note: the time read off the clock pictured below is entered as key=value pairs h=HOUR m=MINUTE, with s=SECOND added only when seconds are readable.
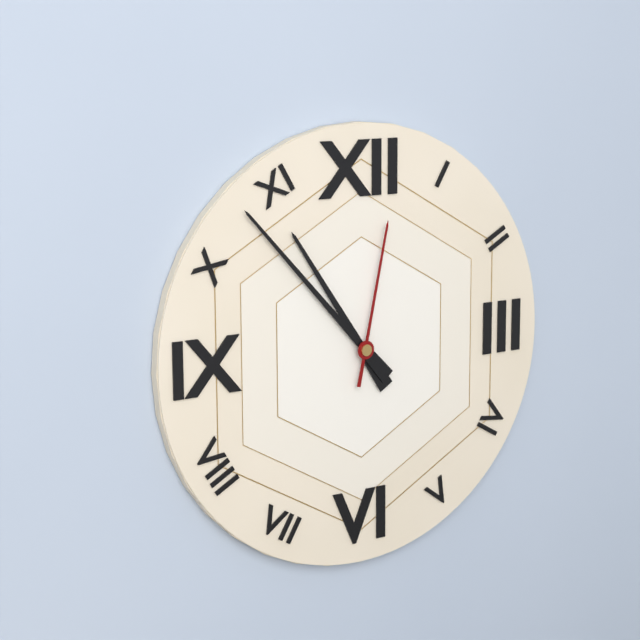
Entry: h=10 m=53 s=2
